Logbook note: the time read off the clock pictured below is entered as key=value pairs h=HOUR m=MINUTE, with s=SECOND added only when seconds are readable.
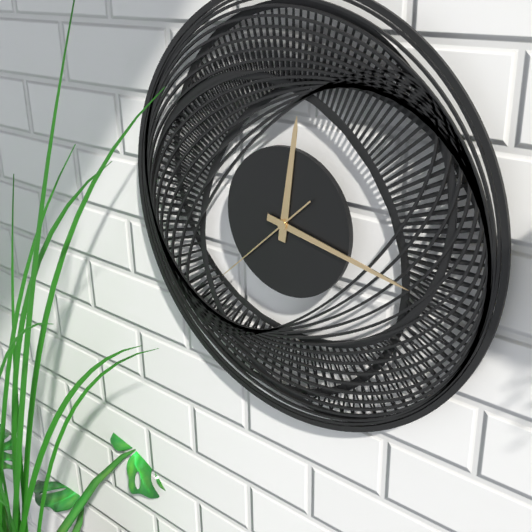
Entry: h=12 m=17 s=38
